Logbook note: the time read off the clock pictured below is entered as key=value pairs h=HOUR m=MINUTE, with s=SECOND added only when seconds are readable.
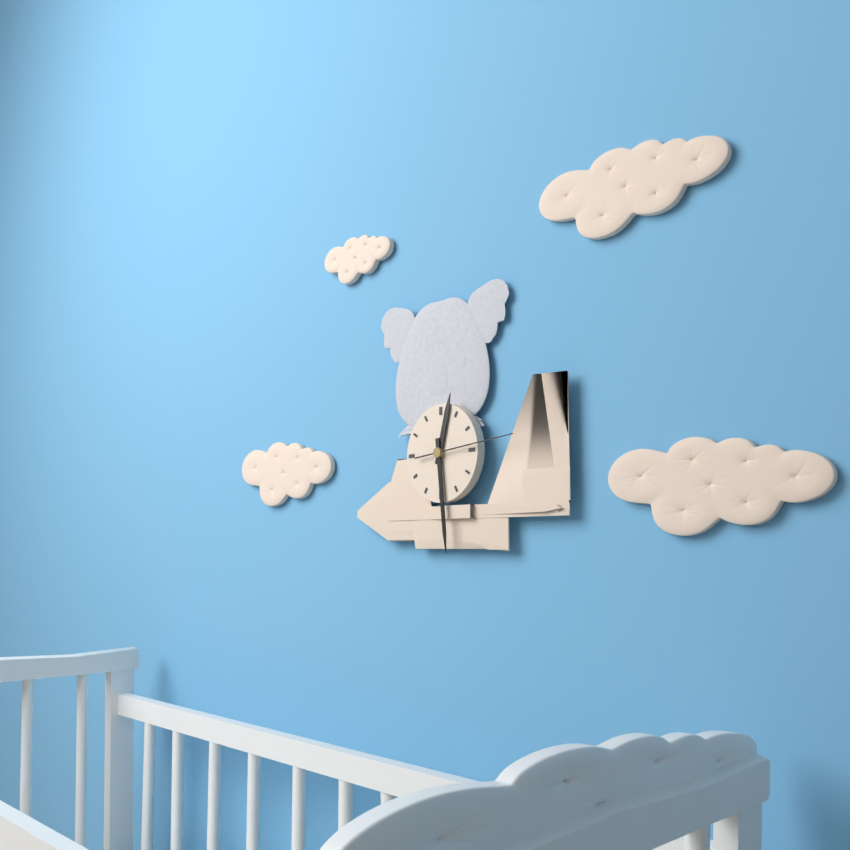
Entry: h=12 m=29 s=14
